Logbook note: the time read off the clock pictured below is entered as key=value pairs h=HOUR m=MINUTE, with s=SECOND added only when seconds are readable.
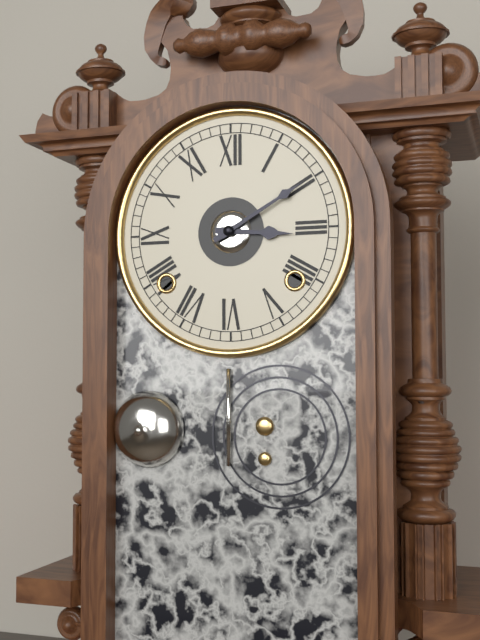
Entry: h=3 m=10
